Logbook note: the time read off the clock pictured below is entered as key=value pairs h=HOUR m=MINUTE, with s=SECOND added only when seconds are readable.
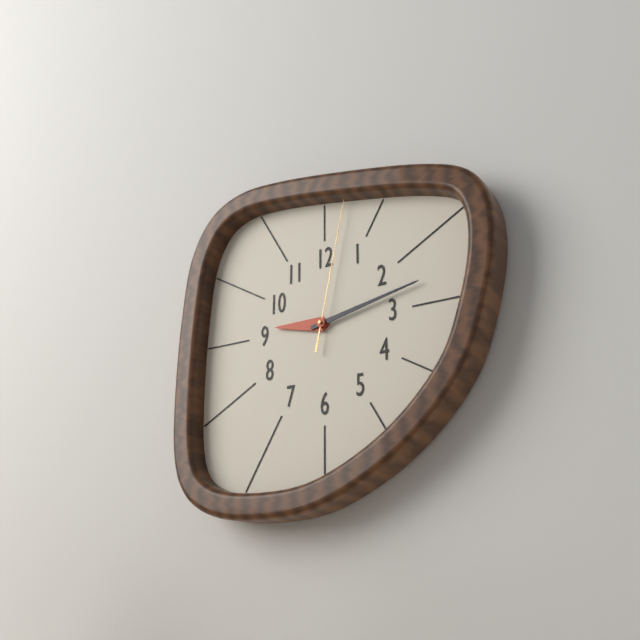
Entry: h=9 m=13 s=2
